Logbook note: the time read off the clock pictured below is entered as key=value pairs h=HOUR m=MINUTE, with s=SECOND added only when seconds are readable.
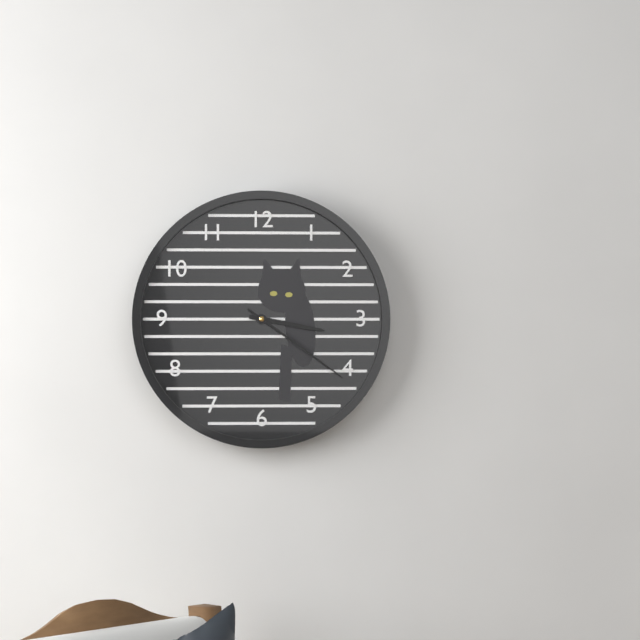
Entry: h=3 m=21
